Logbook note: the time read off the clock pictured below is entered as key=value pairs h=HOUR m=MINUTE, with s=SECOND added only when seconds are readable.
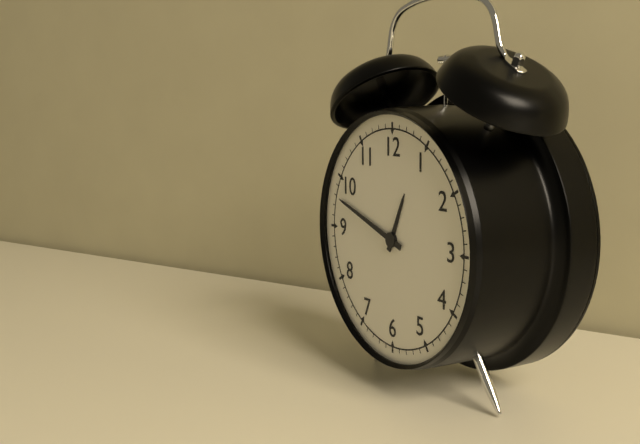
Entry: h=12 m=48
